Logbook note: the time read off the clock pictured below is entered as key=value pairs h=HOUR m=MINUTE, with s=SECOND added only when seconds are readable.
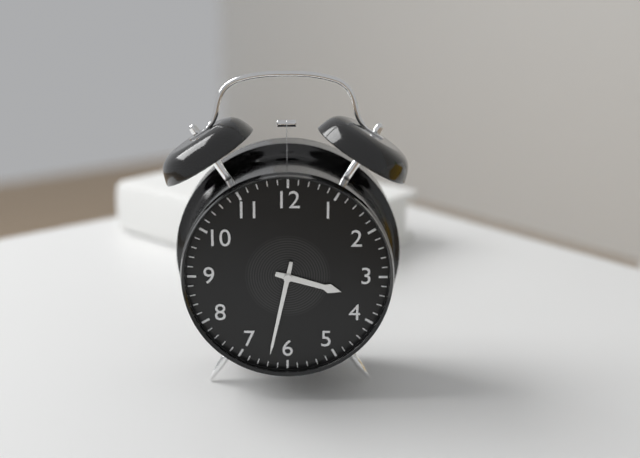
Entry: h=3 m=32
